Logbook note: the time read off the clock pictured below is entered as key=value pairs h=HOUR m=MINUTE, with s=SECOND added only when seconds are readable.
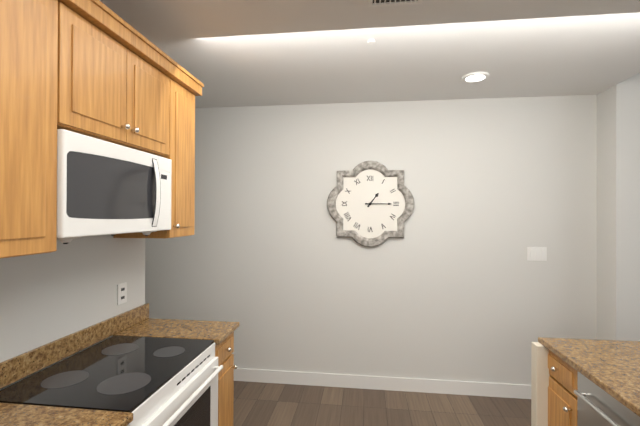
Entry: h=1 m=15
